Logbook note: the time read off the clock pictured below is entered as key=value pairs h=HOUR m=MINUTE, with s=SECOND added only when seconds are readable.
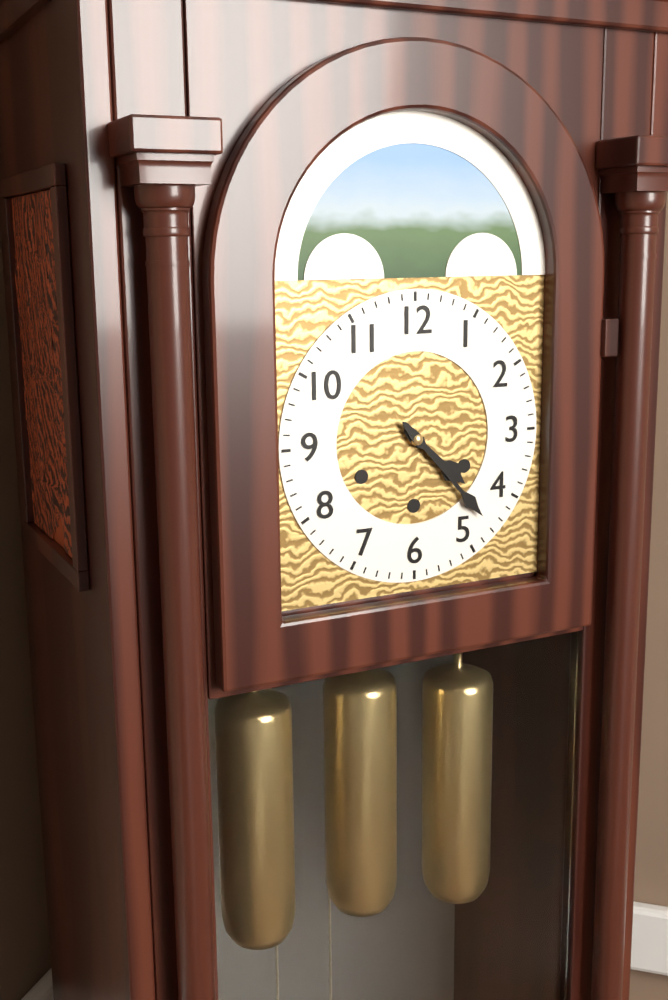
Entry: h=4 m=23
